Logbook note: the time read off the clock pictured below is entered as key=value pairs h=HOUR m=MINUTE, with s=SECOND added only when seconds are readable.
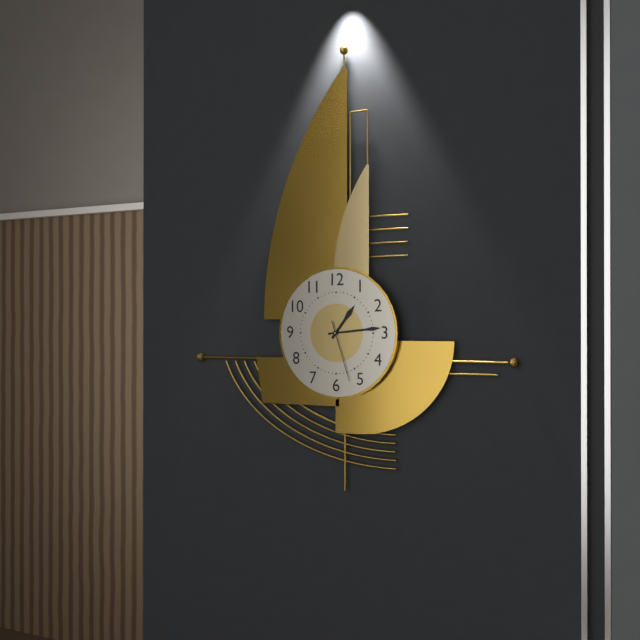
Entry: h=1 m=14 s=27
